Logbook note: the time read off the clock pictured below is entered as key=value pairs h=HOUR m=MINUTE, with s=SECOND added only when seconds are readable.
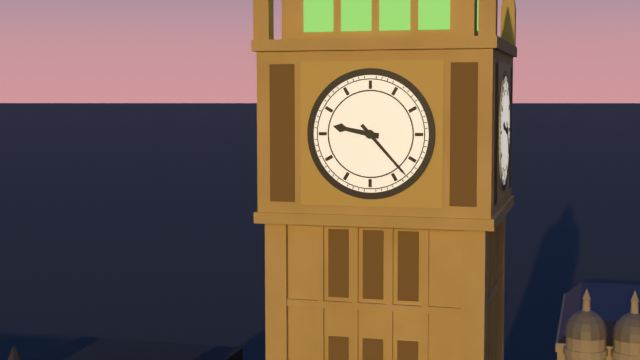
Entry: h=9 m=23
